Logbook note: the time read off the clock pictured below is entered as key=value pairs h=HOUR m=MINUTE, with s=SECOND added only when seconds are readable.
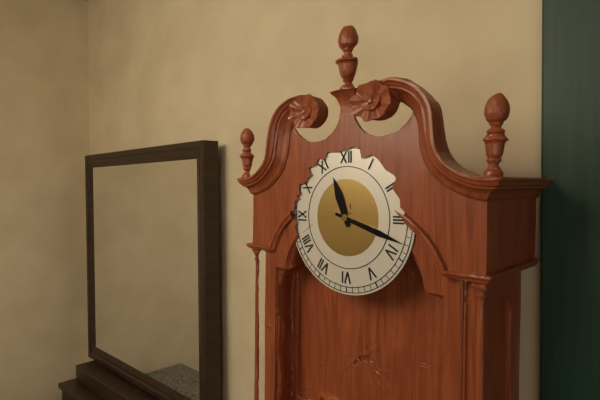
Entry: h=11 m=18
